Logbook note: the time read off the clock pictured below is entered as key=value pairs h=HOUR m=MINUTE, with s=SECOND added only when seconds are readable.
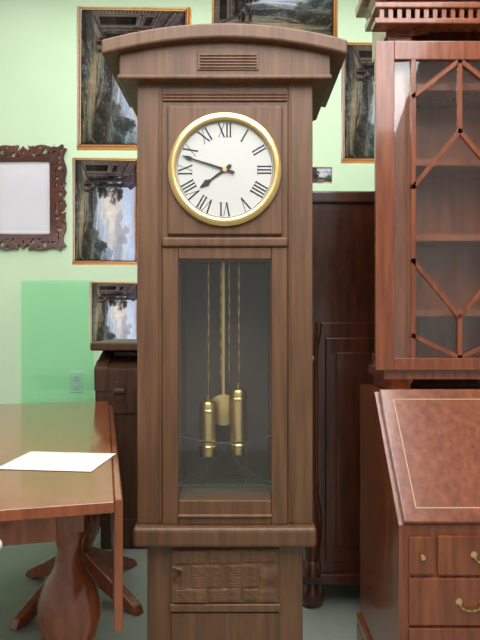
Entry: h=7 m=48
